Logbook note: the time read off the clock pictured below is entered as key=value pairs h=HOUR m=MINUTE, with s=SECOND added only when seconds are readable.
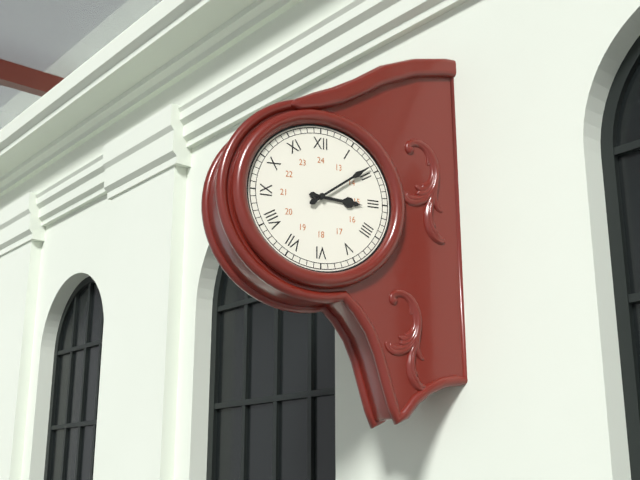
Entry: h=3 m=9
